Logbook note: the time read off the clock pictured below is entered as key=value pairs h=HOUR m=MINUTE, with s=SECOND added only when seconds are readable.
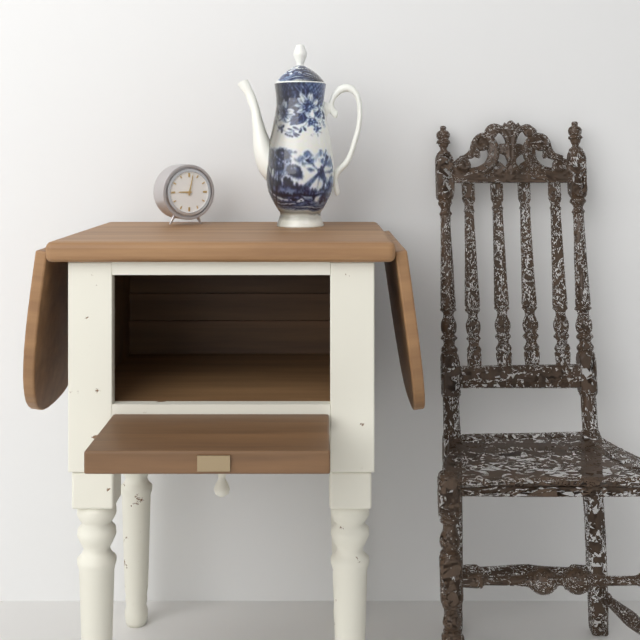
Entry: h=9 m=2
